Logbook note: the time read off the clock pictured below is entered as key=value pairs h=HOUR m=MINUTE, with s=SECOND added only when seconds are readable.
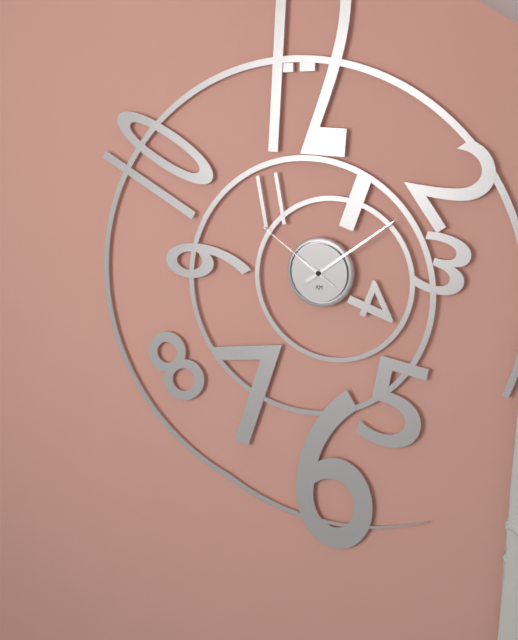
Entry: h=10 m=9 s=51
